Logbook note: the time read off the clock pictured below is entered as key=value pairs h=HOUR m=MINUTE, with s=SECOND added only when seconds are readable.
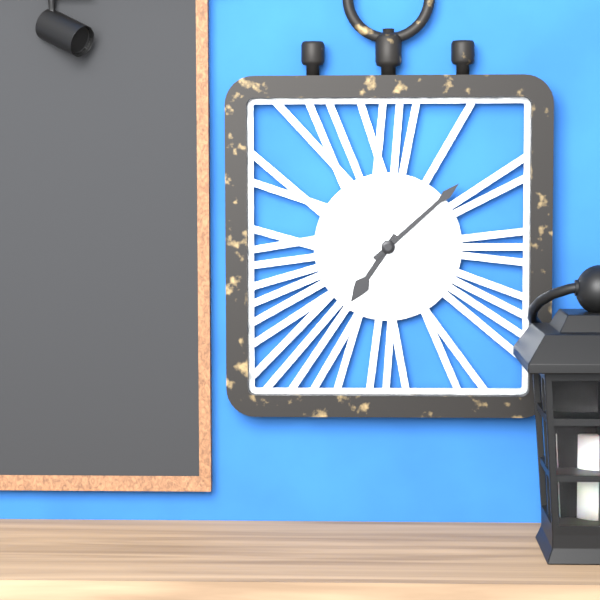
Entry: h=7 m=8
